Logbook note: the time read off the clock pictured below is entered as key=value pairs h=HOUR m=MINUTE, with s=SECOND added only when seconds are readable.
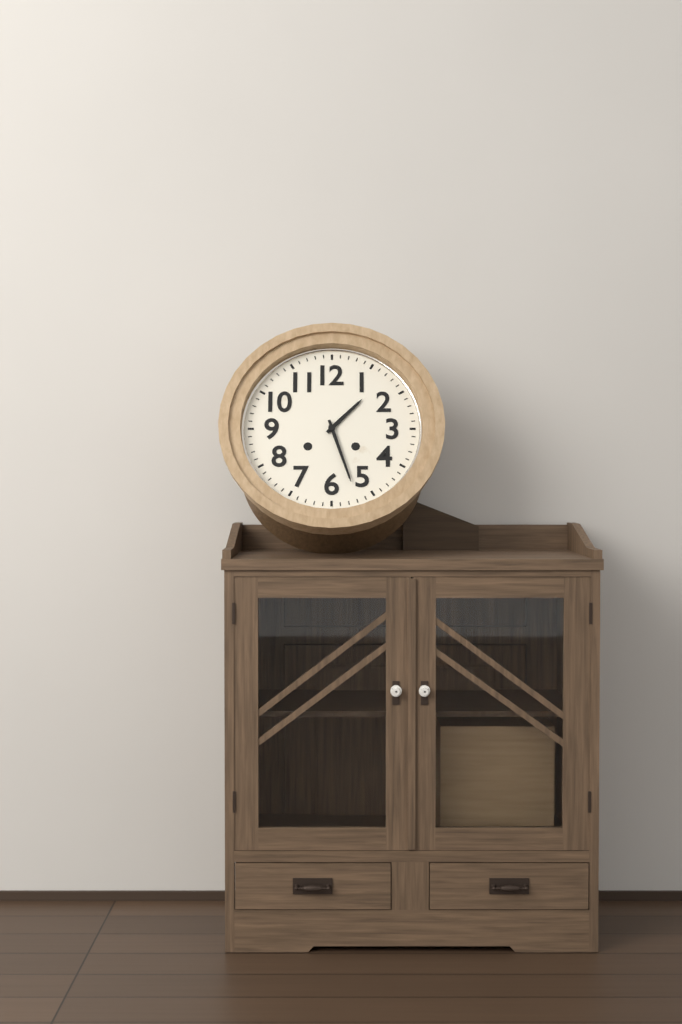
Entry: h=1 m=27
